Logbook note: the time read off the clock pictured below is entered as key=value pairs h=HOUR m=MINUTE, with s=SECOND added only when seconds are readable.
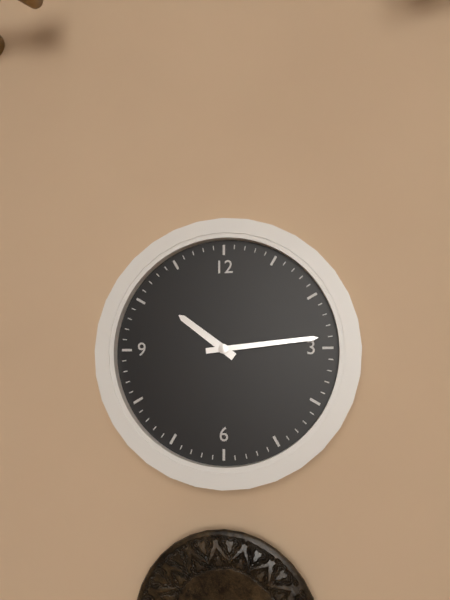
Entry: h=10 m=14
